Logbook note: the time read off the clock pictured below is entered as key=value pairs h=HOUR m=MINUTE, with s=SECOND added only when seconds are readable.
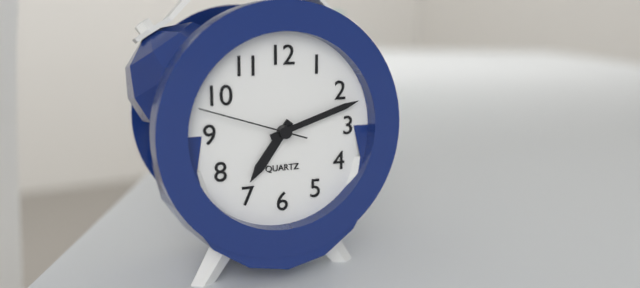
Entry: h=7 m=12 s=48
